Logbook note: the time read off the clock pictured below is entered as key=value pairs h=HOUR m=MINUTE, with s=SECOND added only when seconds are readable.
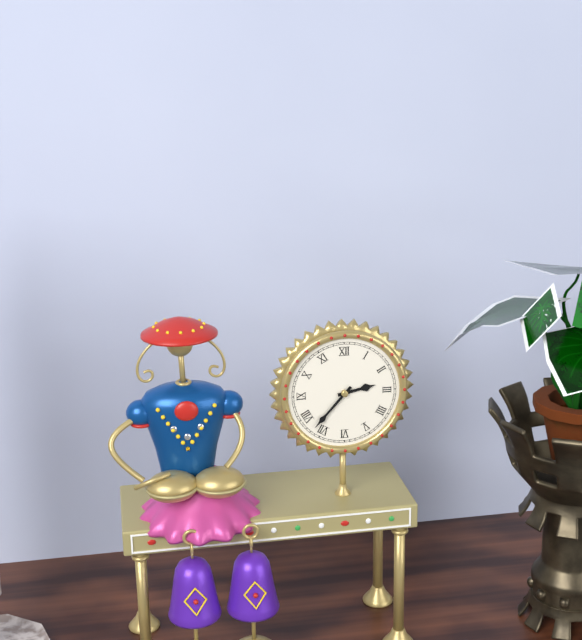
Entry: h=2 m=37
